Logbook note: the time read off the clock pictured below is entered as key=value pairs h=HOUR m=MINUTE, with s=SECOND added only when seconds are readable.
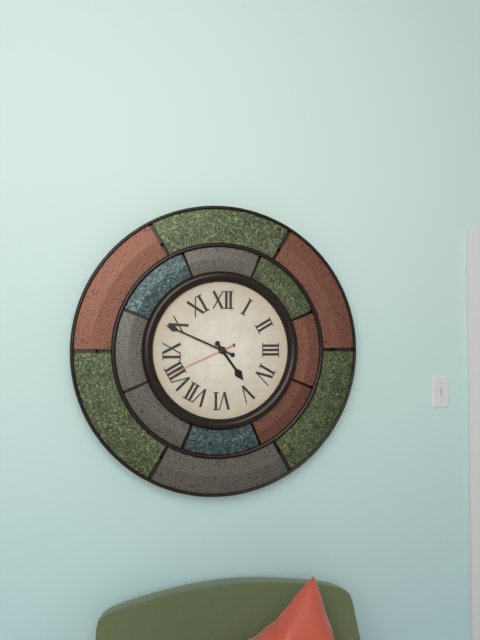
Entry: h=4 m=49 s=41
